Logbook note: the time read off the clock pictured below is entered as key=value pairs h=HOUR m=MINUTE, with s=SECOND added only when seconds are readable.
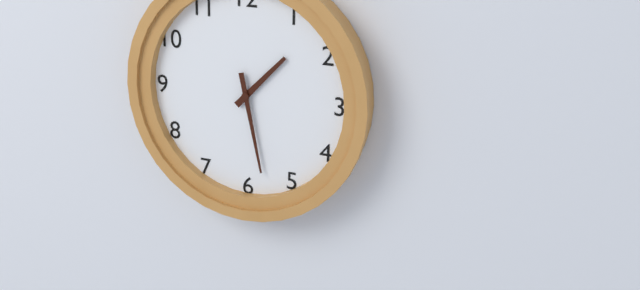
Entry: h=1 m=28
